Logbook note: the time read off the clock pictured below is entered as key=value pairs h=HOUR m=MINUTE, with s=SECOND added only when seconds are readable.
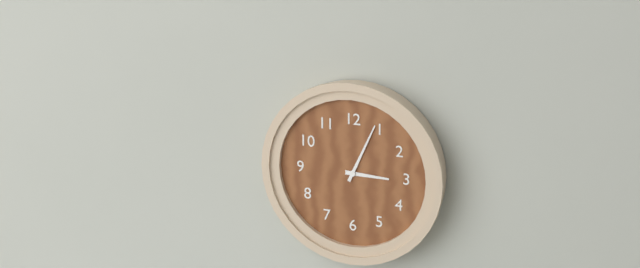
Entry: h=3 m=4
